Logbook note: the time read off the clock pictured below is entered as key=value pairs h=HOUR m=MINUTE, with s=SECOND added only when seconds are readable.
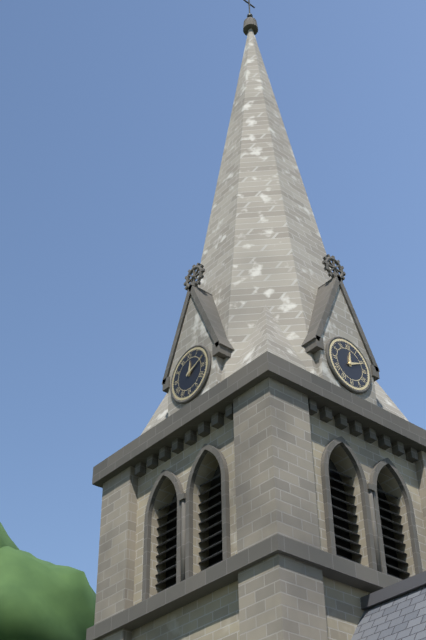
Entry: h=12 m=11
